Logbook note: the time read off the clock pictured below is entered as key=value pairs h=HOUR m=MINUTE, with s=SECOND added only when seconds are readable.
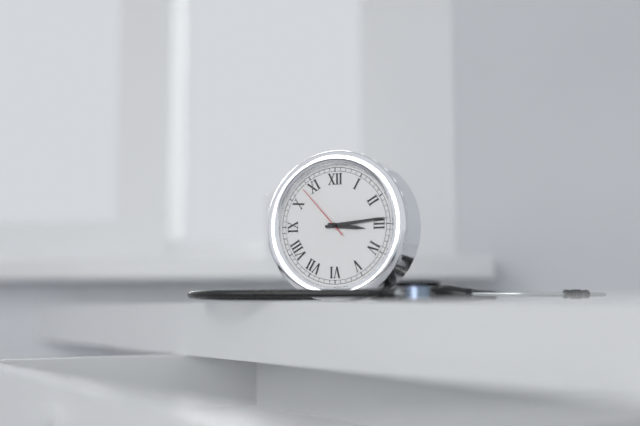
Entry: h=3 m=14 s=53
